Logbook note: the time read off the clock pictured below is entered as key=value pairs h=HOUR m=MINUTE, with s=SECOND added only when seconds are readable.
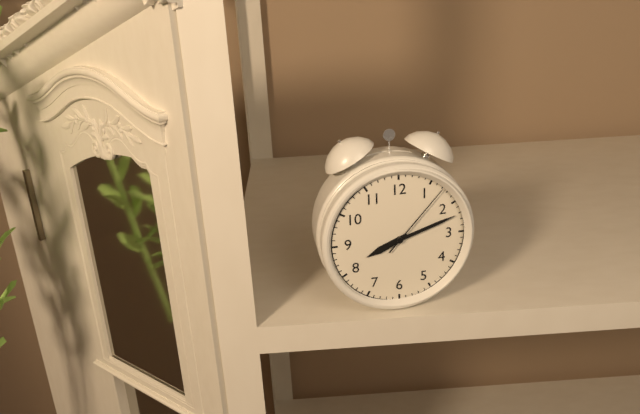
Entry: h=8 m=12 s=7
